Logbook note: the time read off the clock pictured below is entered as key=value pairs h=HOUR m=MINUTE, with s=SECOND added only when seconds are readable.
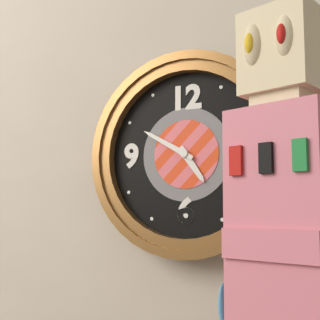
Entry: h=4 m=50
